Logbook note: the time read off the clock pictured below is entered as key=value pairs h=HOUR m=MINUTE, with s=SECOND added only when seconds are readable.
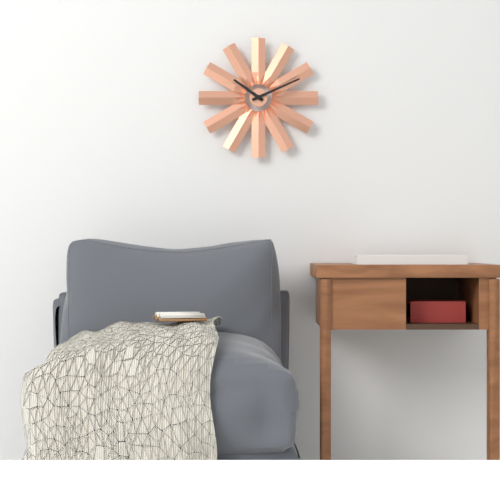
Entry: h=10 m=11
